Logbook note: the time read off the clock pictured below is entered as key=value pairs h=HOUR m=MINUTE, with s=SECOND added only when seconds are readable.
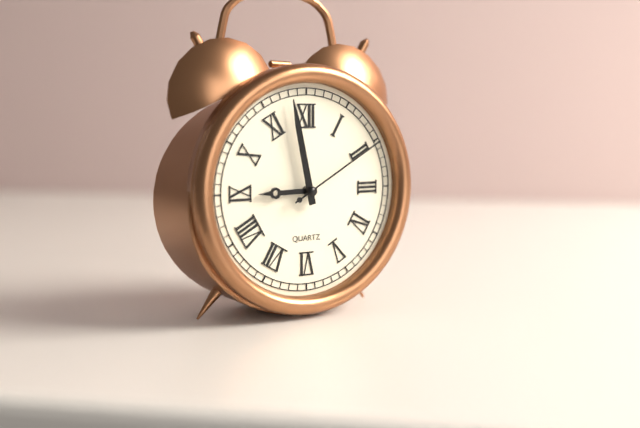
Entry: h=8 m=58 s=10
